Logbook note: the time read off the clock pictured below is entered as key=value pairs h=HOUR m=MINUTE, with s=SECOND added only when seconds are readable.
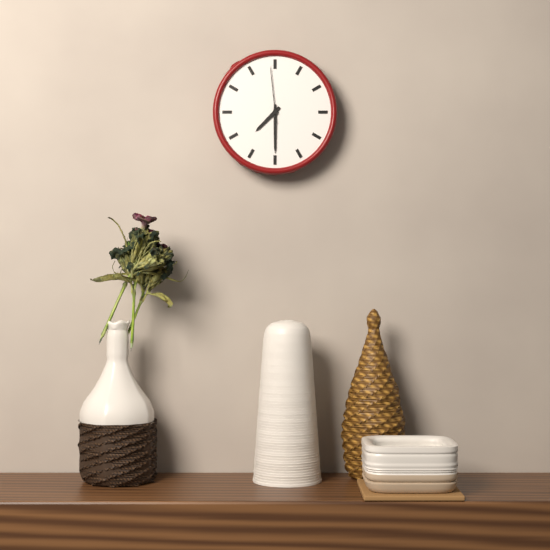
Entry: h=7 m=30 s=59
